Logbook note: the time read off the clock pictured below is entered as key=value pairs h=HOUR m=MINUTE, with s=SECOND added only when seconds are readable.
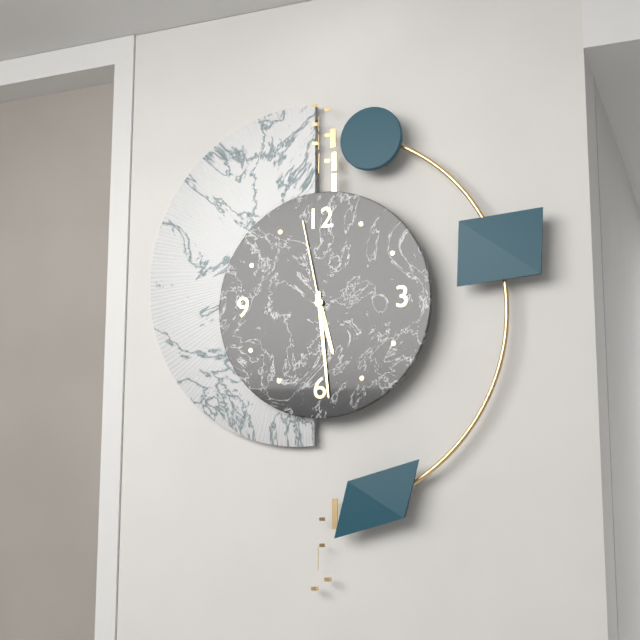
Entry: h=5 m=29 s=58
